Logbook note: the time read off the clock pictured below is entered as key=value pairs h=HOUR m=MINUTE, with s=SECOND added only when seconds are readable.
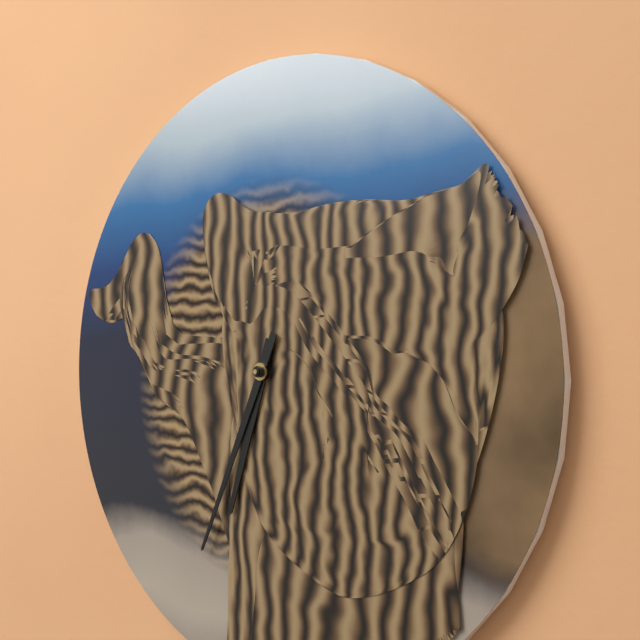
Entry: h=6 m=34
